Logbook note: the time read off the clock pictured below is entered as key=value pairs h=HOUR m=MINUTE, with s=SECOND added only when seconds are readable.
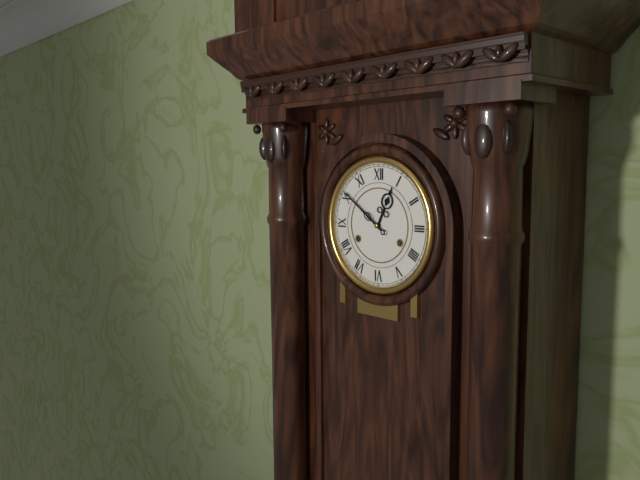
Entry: h=12 m=51
